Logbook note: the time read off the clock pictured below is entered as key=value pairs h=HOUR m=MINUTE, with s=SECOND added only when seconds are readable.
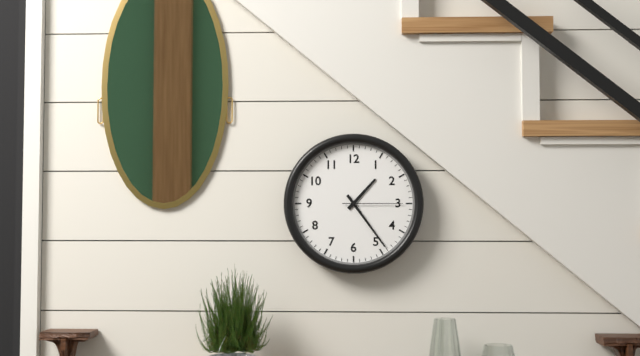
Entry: h=1 m=24 s=15
